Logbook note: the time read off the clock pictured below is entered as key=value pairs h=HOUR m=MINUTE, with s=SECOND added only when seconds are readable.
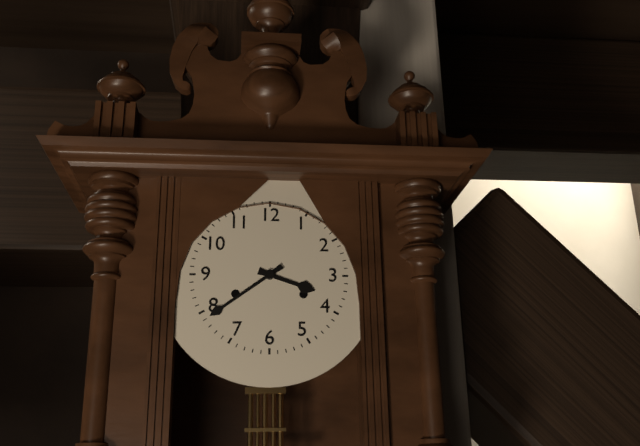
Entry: h=3 m=39
